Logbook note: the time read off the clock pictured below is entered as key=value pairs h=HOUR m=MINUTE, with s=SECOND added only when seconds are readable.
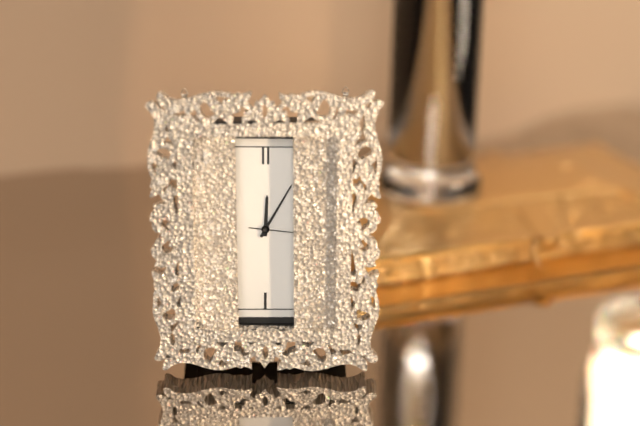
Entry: h=12 m=5
